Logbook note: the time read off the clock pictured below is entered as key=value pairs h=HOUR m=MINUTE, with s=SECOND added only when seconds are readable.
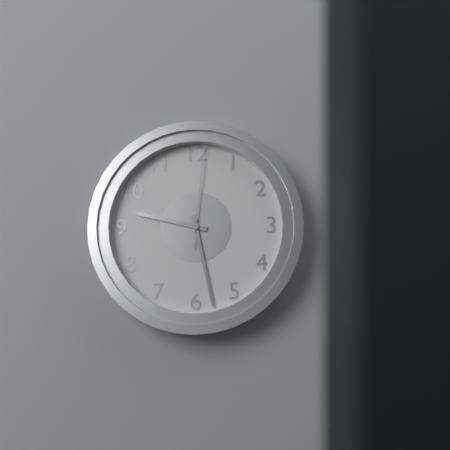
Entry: h=9 m=28 s=1
